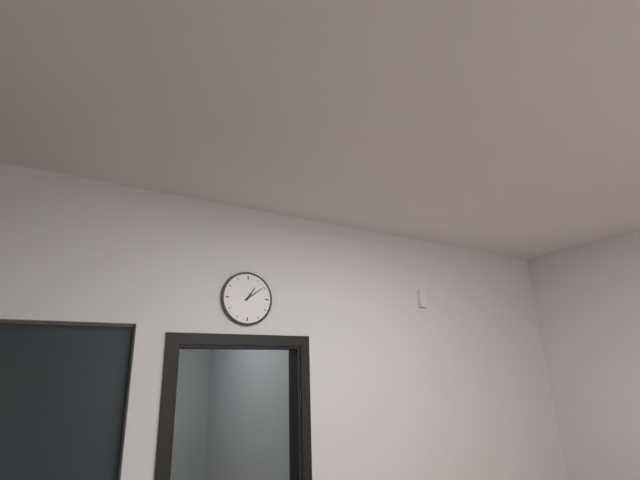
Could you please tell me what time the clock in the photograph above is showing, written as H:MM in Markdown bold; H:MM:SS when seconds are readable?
**1:09**
